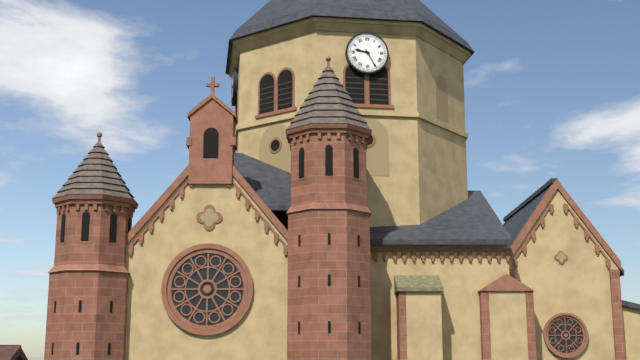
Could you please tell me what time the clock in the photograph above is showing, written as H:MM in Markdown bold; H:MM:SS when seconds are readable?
**9:25**
